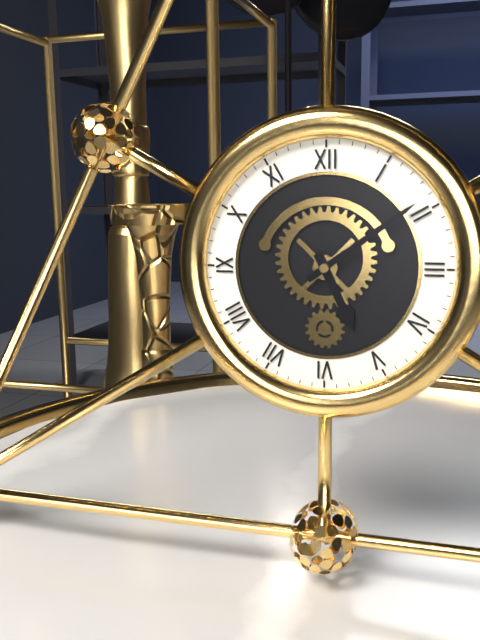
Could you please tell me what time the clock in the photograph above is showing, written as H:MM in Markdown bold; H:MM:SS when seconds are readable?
**5:09**
